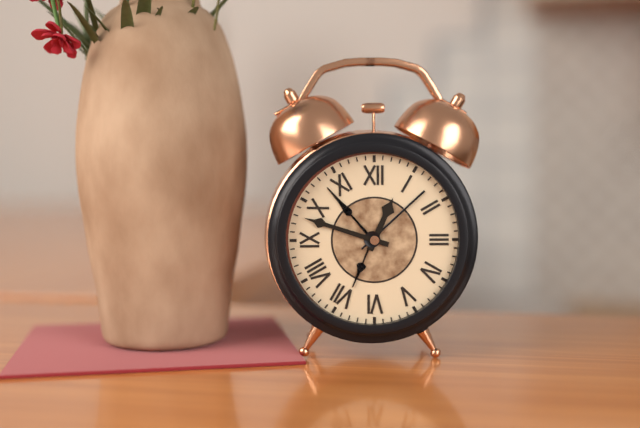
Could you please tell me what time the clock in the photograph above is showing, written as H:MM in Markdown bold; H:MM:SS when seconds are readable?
**12:48**
